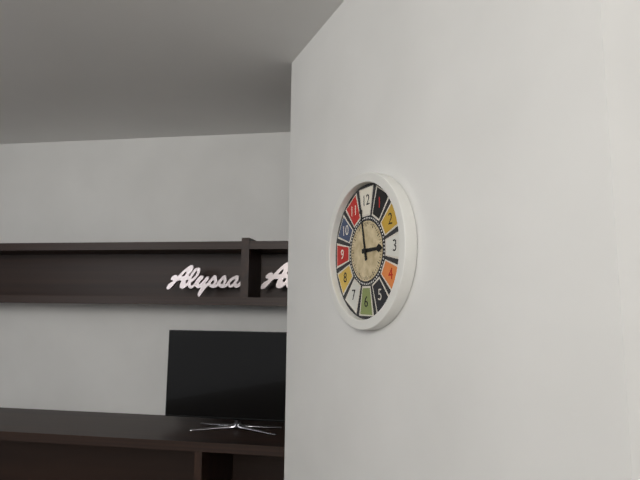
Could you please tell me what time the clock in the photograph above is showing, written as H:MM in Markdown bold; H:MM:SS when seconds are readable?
**2:58**
